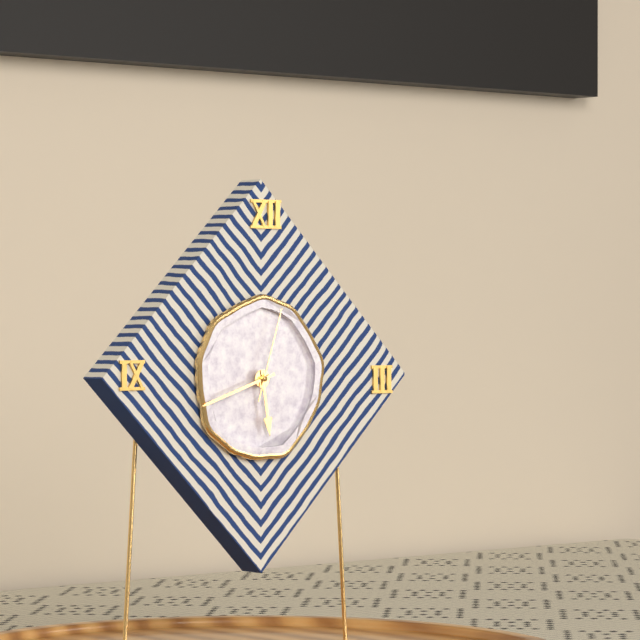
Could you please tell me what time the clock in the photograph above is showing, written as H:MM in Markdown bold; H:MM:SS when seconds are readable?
**5:42:03**
